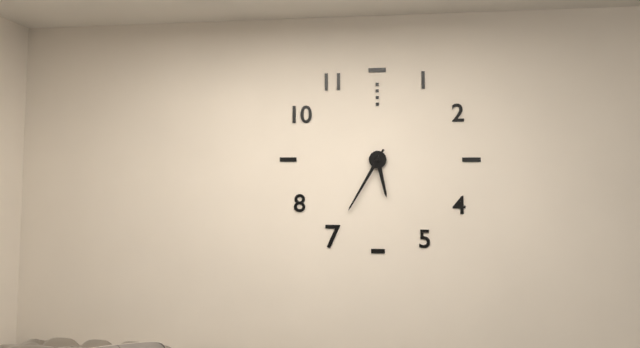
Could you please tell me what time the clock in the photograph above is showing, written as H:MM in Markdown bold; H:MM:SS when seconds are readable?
**5:35**
